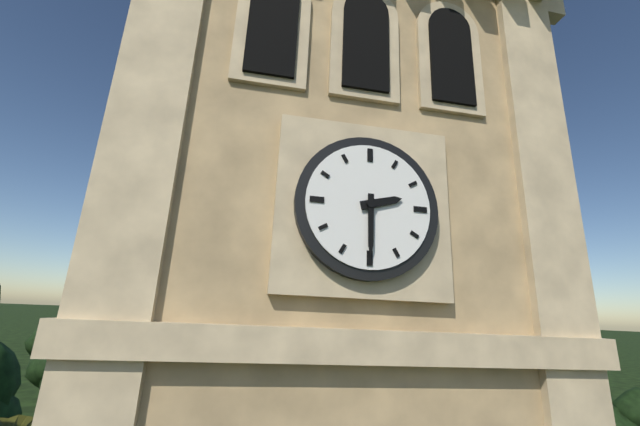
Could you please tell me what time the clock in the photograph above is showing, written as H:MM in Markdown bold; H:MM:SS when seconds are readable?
**2:30**
